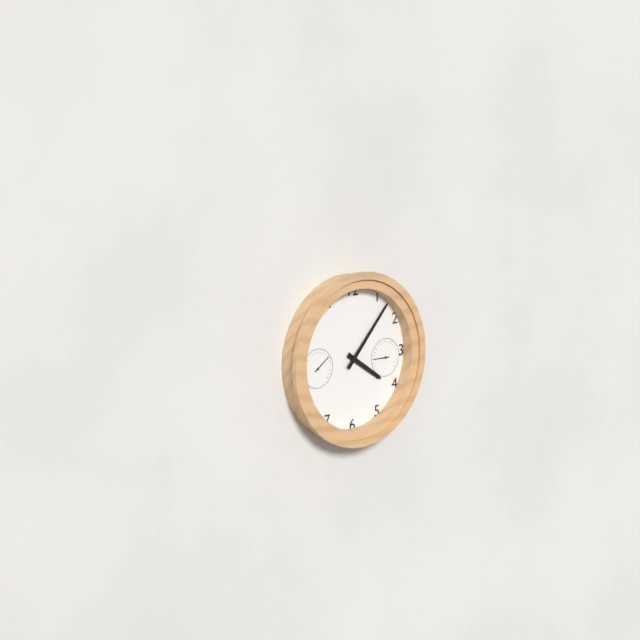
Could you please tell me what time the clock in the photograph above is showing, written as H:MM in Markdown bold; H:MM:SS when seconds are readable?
**4:07**
